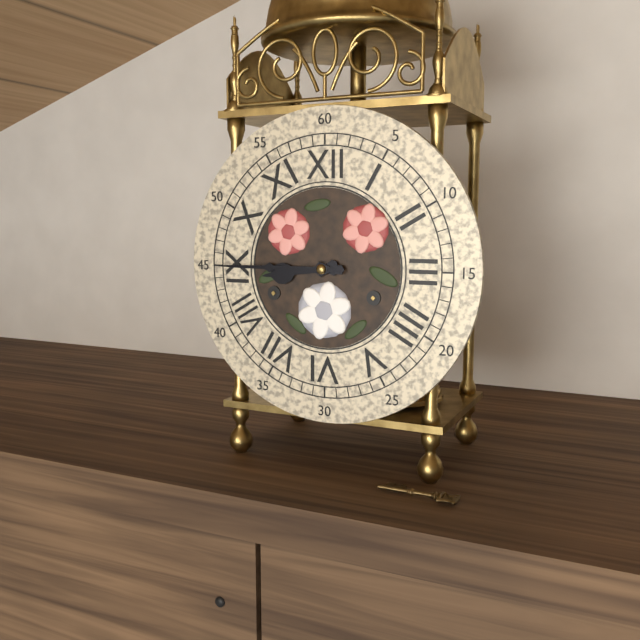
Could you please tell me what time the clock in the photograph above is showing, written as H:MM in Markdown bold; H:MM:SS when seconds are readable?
**8:45**
